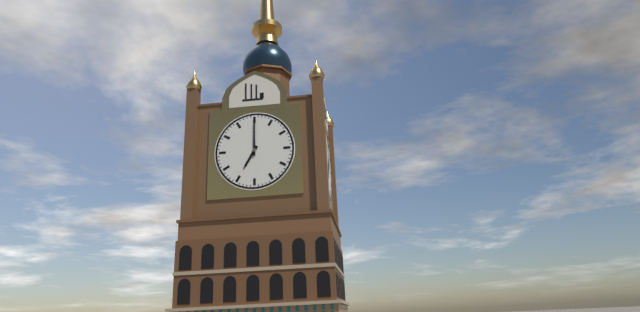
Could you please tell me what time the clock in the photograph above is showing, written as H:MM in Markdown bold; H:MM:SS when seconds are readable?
**7:00**
